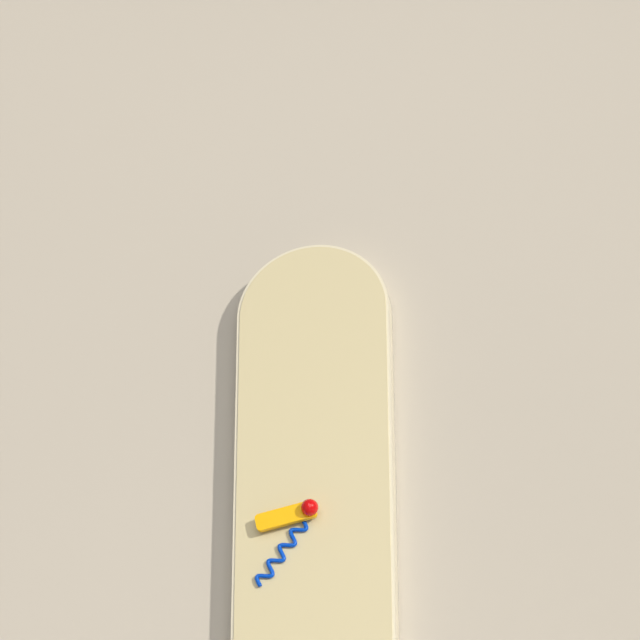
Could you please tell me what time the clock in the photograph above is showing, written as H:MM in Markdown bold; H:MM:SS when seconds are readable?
**8:36**
